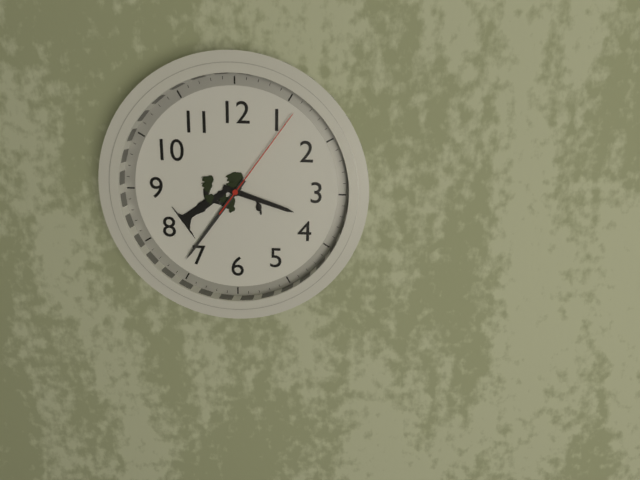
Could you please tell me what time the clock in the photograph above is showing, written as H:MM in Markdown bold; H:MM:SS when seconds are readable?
**3:36:06**
